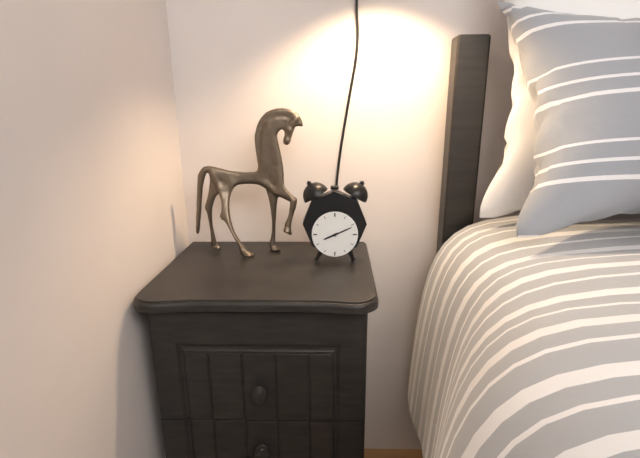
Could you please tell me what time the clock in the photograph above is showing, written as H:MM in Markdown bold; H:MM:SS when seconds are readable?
**8:11**
